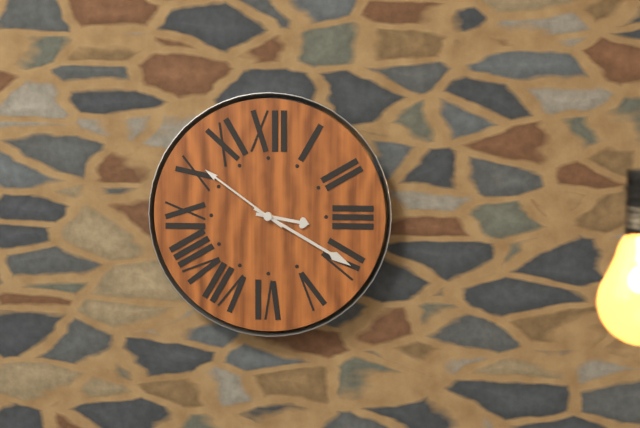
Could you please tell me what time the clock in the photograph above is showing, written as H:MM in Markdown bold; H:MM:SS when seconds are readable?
**3:20:51**
